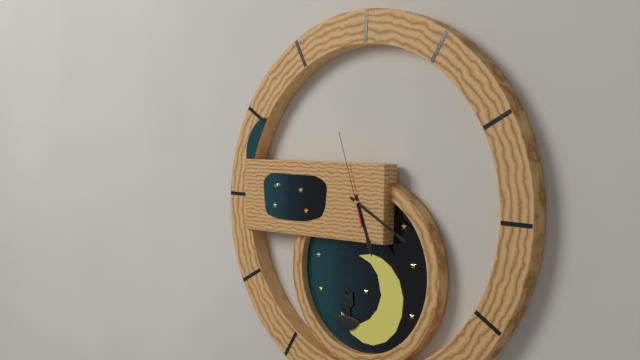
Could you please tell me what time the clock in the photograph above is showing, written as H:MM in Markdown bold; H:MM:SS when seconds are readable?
**5:20:57**
